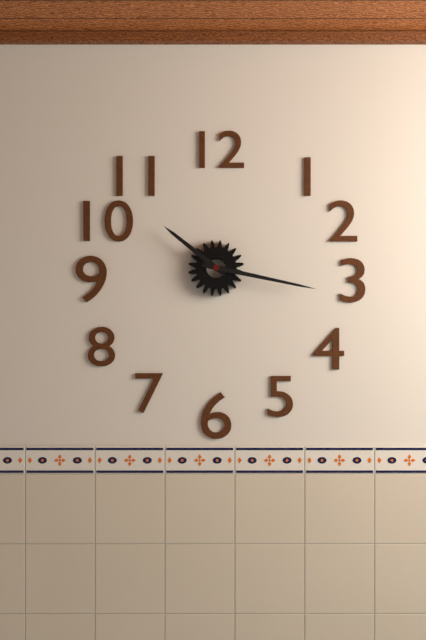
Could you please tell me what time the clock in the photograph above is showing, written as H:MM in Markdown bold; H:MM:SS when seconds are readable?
**10:17**
